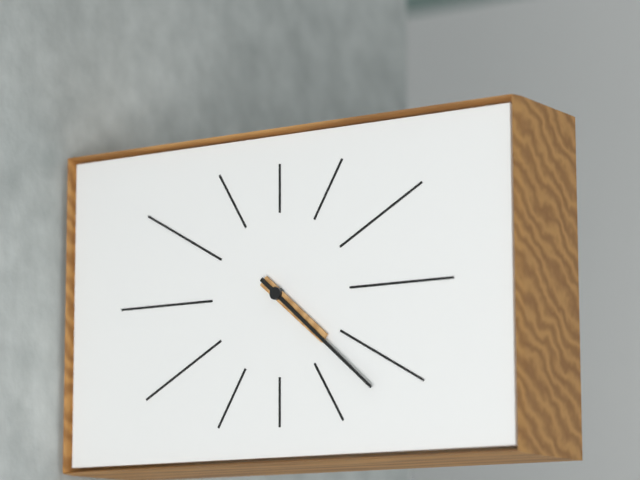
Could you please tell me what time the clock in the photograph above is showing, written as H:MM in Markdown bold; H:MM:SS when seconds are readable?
**4:22**
